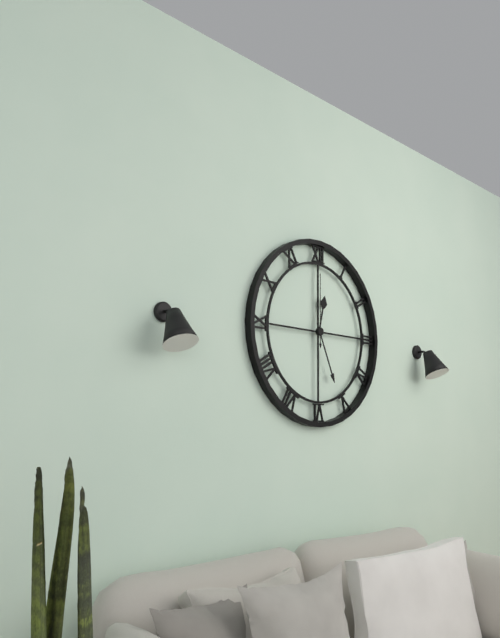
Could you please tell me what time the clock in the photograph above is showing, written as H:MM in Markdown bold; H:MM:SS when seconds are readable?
**12:26:00**
